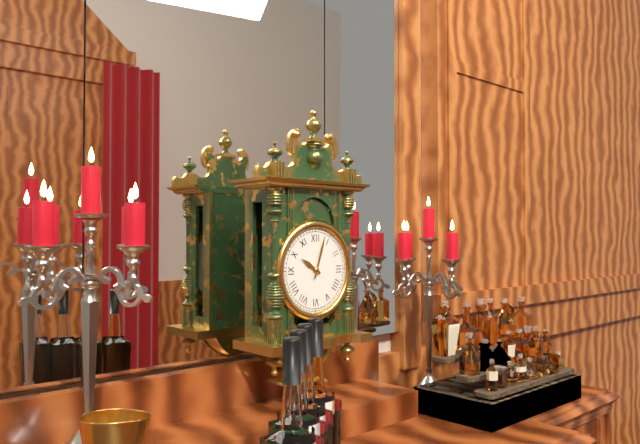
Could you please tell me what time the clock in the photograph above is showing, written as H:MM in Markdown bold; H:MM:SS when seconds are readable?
**10:03**
